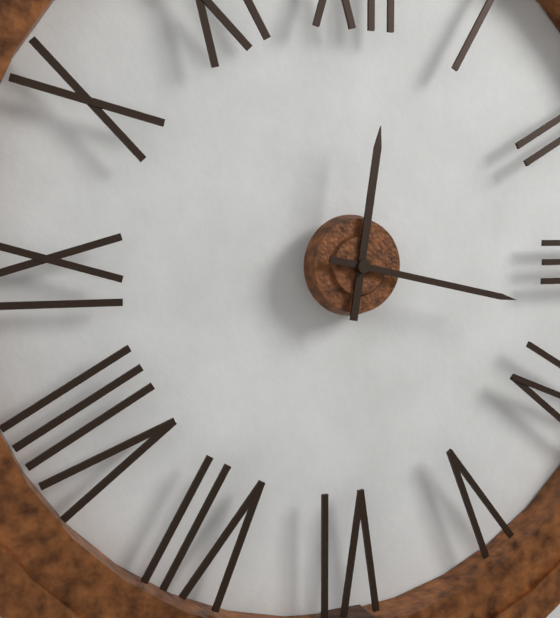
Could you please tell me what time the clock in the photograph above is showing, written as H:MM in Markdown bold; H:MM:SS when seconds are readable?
**12:17**
